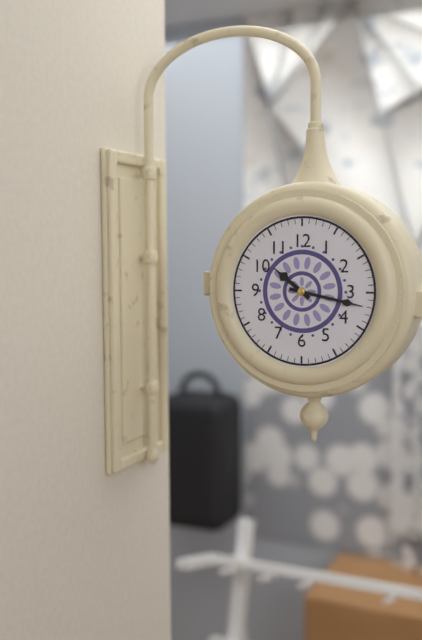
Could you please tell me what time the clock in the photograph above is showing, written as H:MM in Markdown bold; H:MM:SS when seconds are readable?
**10:17**
